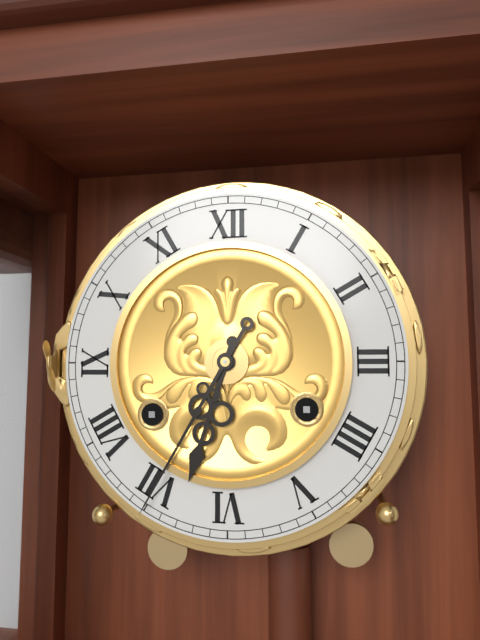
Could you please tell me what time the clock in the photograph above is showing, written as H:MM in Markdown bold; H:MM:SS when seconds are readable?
**6:35**
